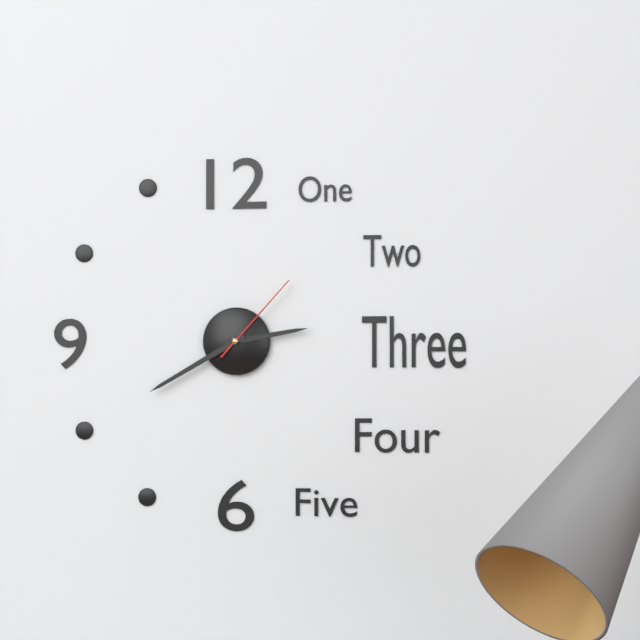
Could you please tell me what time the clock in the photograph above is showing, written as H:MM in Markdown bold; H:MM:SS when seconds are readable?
**2:40:07**
